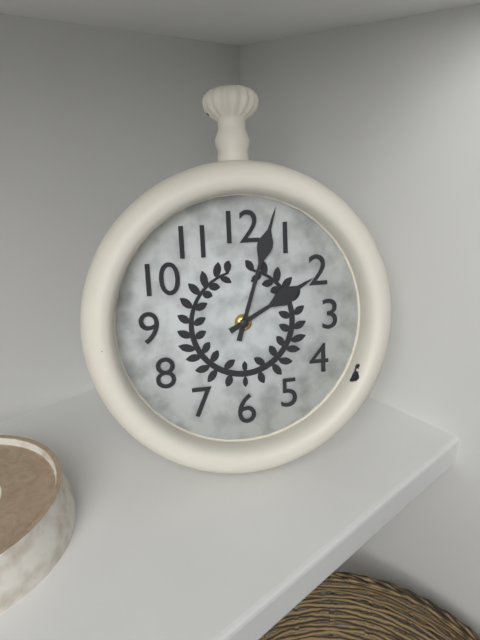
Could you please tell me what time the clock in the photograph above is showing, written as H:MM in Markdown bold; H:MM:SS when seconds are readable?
**2:03**
